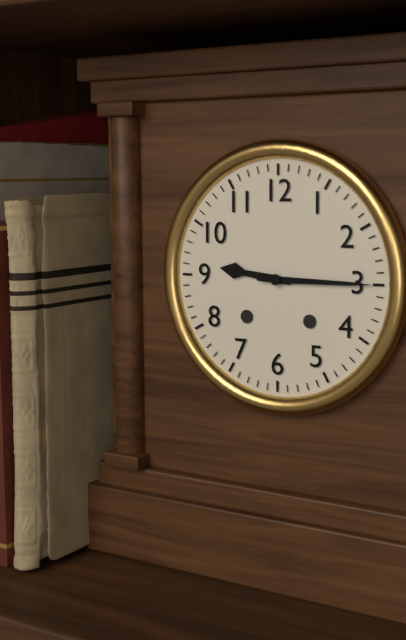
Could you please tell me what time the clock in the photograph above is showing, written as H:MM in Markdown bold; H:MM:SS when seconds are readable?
**9:15**
